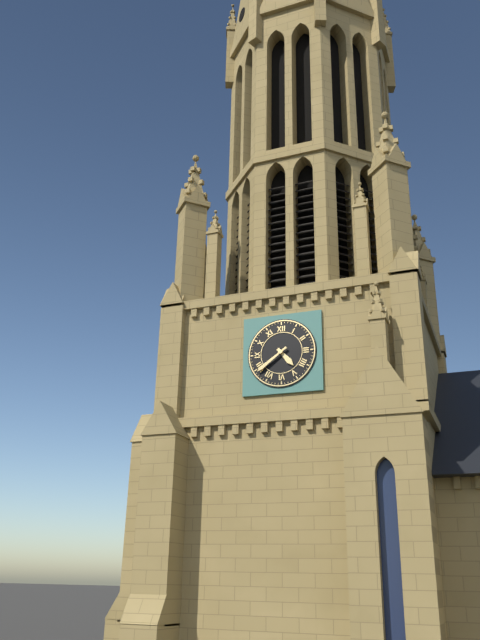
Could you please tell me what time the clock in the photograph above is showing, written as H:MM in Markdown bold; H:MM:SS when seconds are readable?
**4:39**
